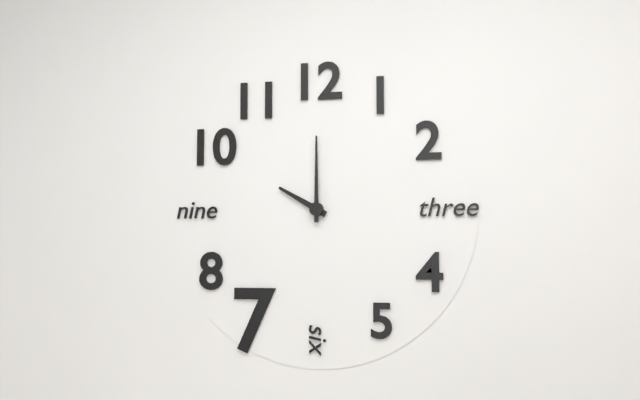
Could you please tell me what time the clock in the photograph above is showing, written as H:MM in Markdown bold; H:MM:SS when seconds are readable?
**10:00**
